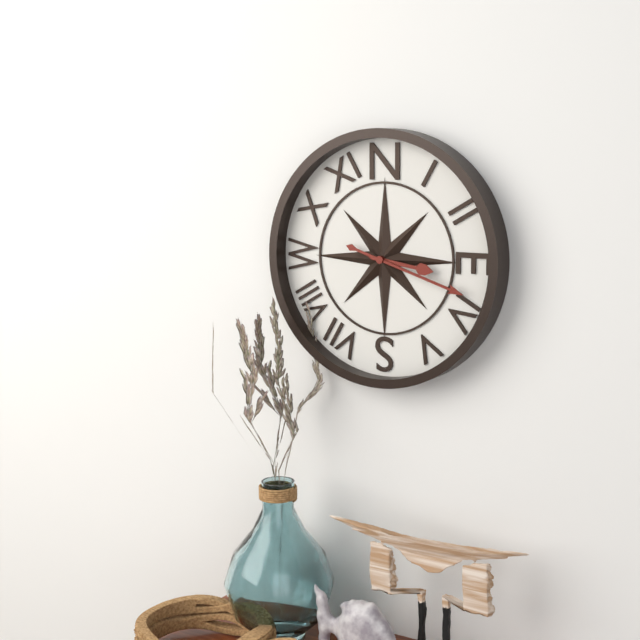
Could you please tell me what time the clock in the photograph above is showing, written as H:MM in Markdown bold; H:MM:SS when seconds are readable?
**3:18**
